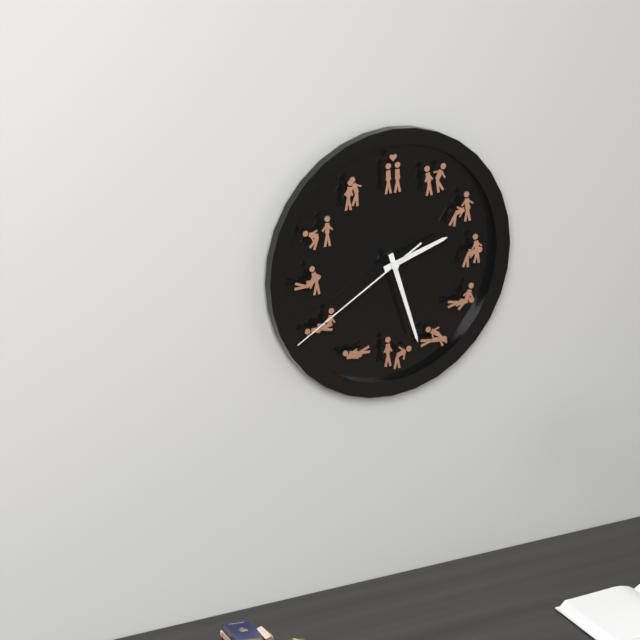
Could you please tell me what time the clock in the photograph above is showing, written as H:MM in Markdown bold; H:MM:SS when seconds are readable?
**2:27:40**
